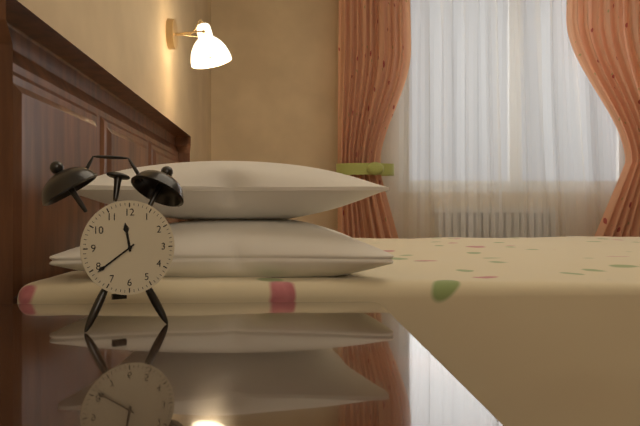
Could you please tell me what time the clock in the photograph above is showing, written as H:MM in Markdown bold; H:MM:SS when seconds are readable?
**11:39**
